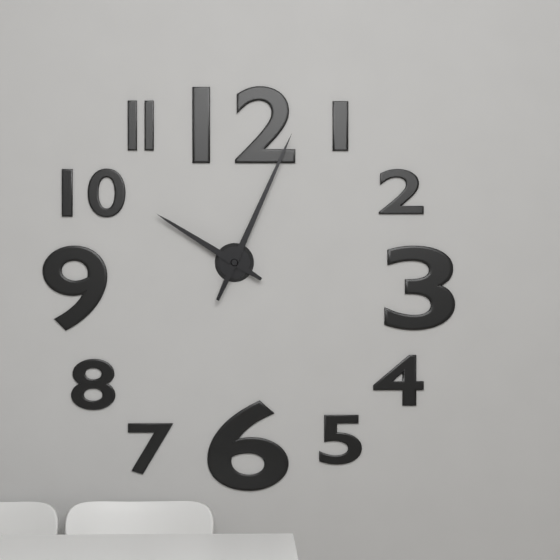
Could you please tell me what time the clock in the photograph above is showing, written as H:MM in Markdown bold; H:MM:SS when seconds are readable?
**10:04**
